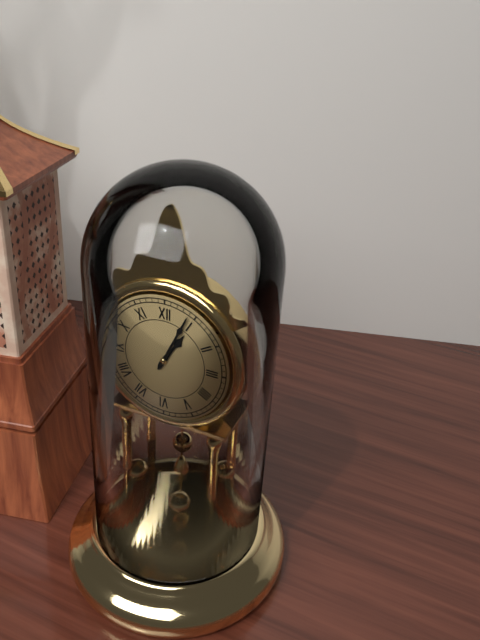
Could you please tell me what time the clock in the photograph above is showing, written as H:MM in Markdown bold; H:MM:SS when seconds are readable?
**1:04**
